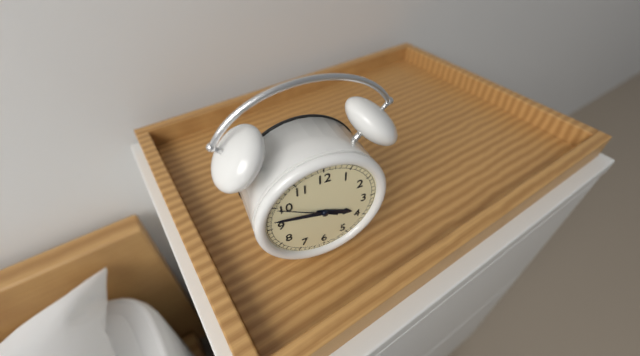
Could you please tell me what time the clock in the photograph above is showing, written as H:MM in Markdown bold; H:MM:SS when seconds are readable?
**3:47:50**
